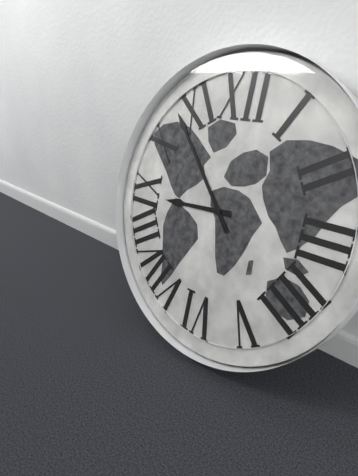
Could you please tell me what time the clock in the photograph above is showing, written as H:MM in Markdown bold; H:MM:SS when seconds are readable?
**8:53**
